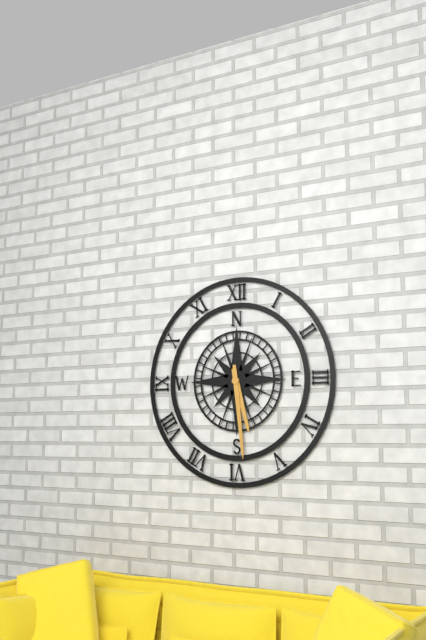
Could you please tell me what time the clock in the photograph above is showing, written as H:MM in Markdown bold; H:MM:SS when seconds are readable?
**5:29**
